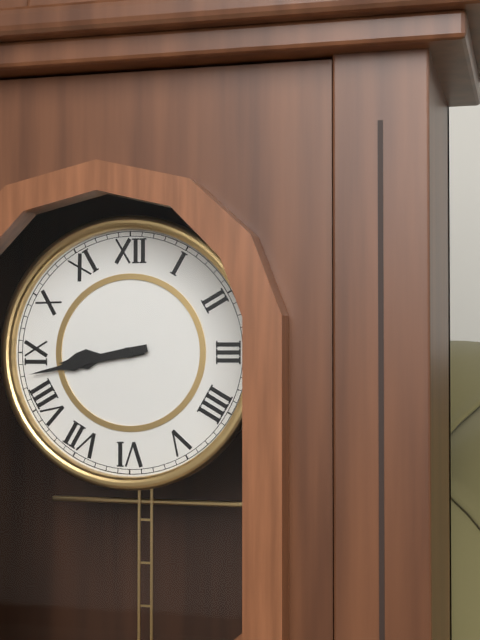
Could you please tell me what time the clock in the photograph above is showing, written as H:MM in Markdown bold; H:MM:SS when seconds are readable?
**8:43**
